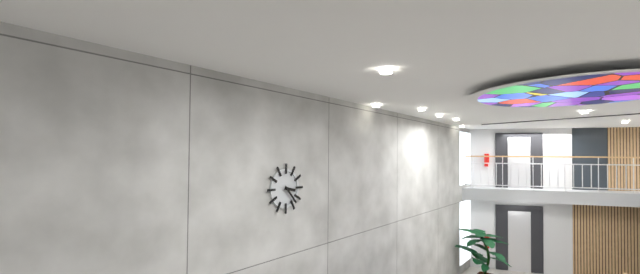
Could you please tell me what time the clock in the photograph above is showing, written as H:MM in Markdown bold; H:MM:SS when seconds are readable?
**3:23**
